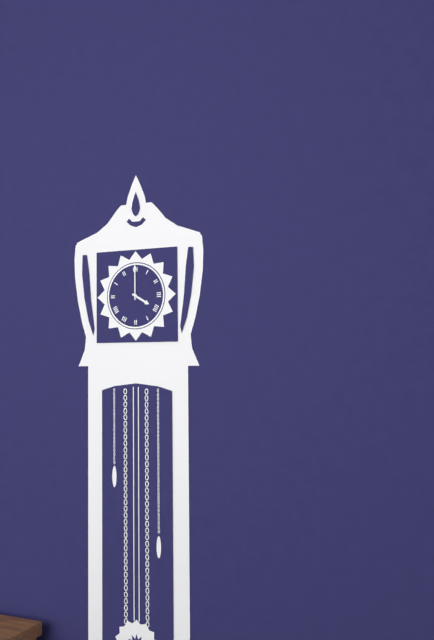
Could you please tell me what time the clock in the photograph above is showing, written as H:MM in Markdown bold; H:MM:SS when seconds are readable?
**4:00**
